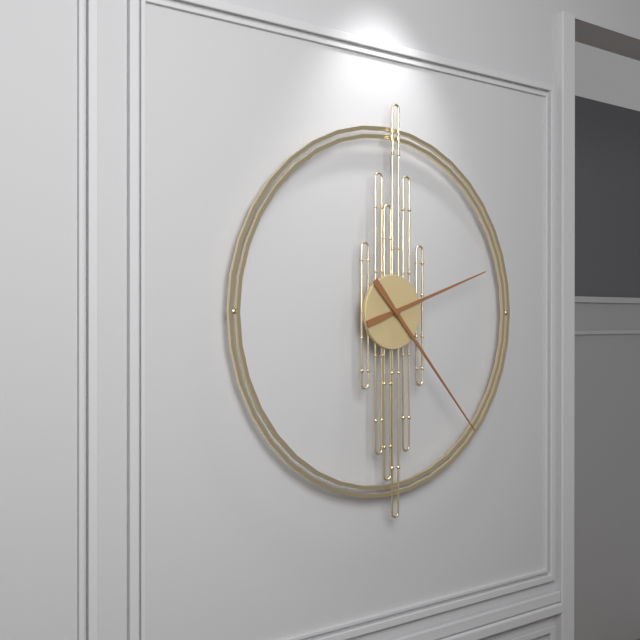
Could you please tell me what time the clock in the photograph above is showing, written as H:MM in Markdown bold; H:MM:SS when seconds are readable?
**2:23**
